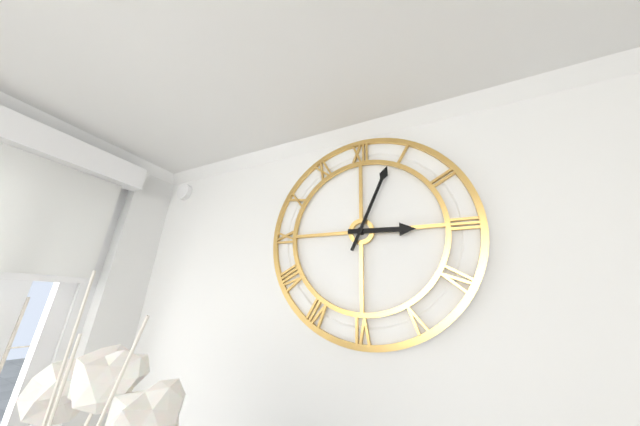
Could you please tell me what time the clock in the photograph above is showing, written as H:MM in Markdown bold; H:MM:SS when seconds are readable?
**3:04**
